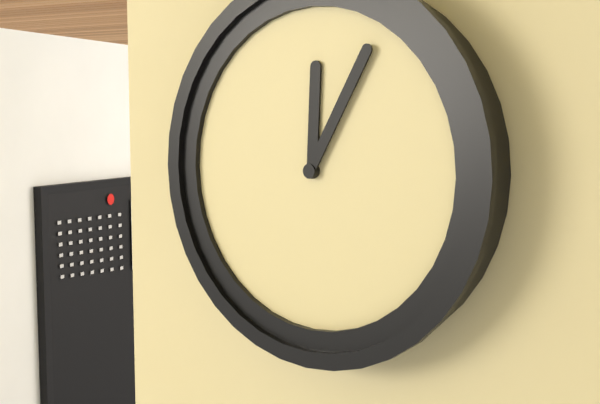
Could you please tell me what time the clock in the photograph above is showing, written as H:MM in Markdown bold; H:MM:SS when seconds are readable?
**12:05**
